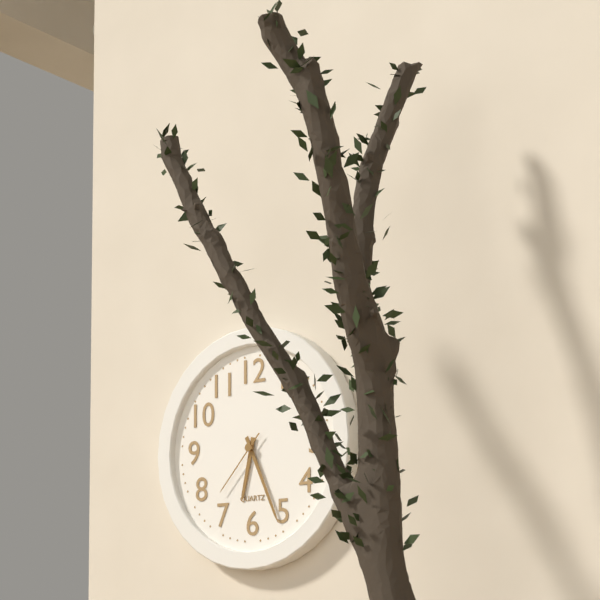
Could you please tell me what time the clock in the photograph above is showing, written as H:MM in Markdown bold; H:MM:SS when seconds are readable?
**6:26:37**
